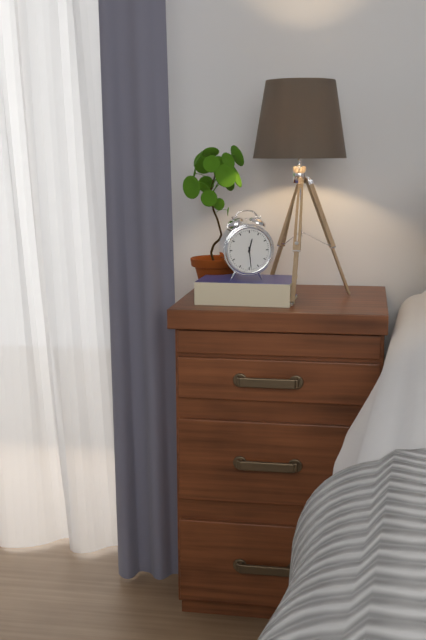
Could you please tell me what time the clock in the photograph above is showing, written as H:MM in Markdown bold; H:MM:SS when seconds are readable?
**12:29**
